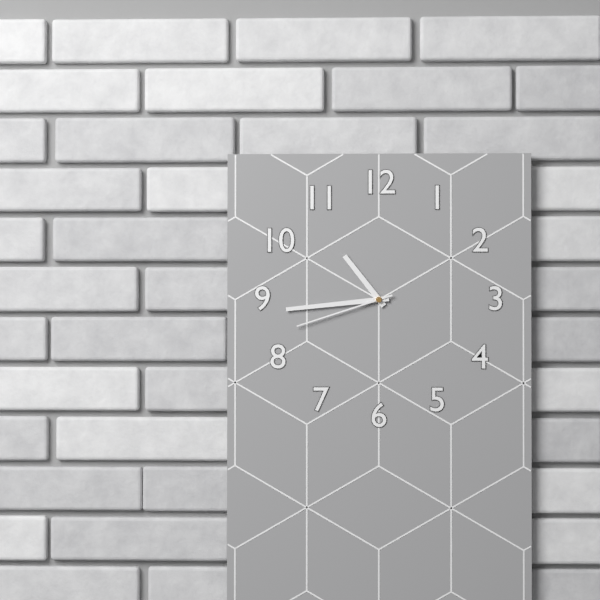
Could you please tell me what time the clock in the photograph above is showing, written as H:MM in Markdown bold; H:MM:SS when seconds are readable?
**10:44:42**
